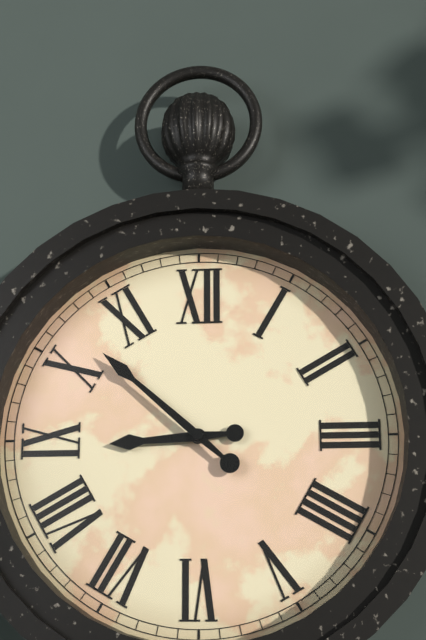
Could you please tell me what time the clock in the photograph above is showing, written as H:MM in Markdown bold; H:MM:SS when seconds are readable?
**8:52**
